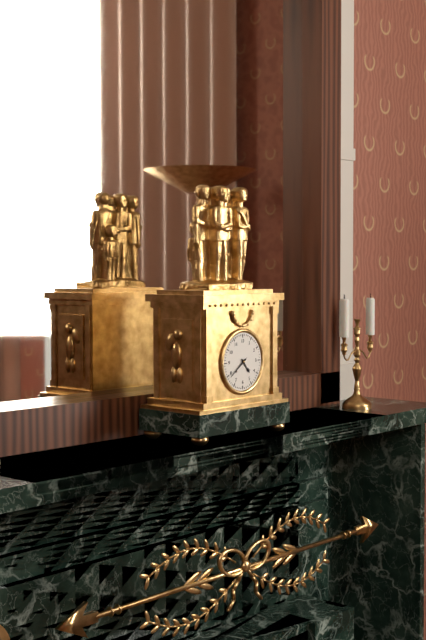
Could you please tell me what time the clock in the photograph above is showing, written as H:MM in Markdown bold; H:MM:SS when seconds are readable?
**4:39**
